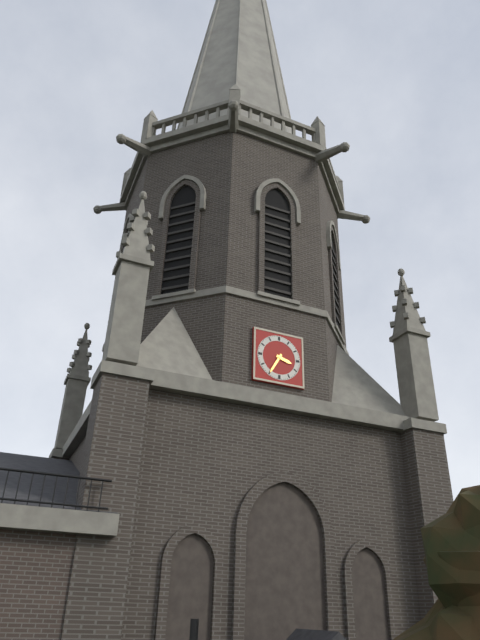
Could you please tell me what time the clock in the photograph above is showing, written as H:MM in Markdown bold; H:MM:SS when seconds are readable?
**3:35**
